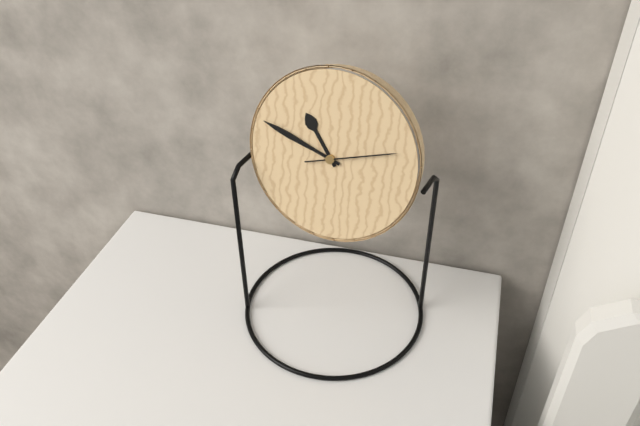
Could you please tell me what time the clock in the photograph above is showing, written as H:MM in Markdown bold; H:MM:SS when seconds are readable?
**10:48:12**
